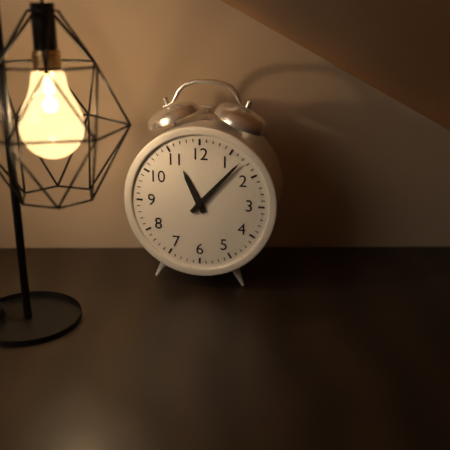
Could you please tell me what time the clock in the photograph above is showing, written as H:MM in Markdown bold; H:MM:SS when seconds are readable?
**11:07**
